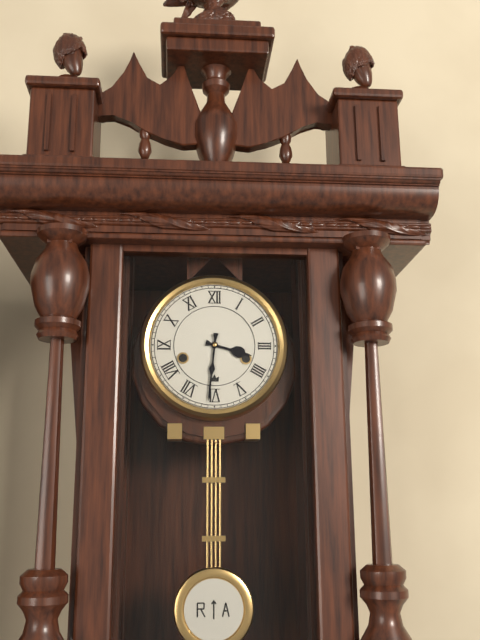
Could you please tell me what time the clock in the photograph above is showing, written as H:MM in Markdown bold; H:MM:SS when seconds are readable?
**3:31**
